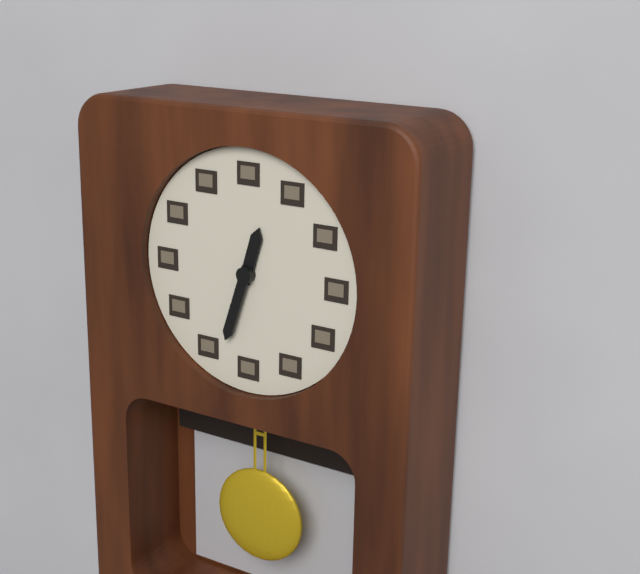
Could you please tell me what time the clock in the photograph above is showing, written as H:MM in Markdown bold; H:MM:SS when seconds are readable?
**12:33**
